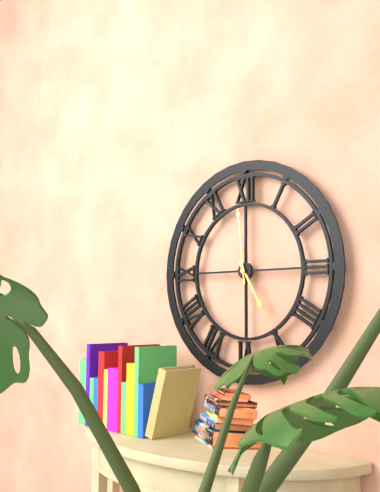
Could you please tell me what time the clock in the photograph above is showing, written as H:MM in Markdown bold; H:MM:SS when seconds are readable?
**4:59**
